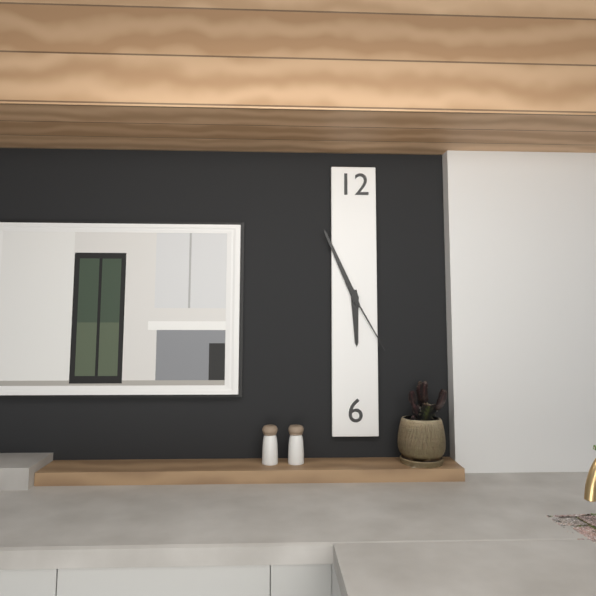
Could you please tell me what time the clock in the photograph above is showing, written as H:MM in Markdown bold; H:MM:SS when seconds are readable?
**5:56:25**
